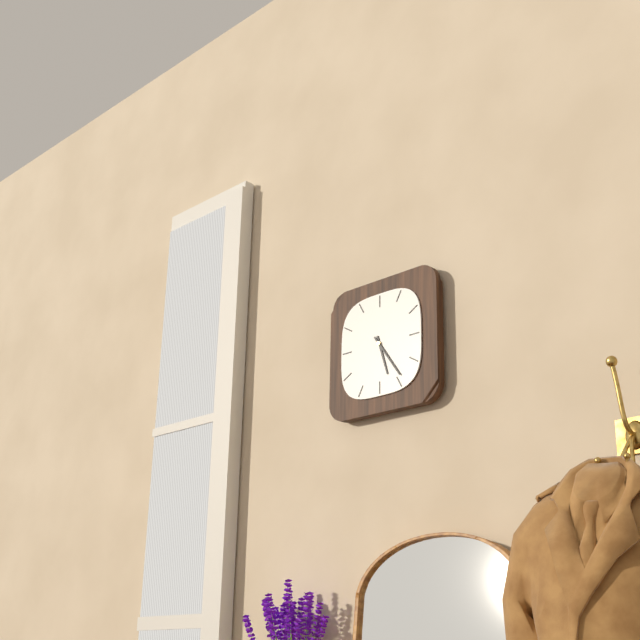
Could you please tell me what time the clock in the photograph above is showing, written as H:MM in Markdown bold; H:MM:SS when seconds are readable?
**5:24**
